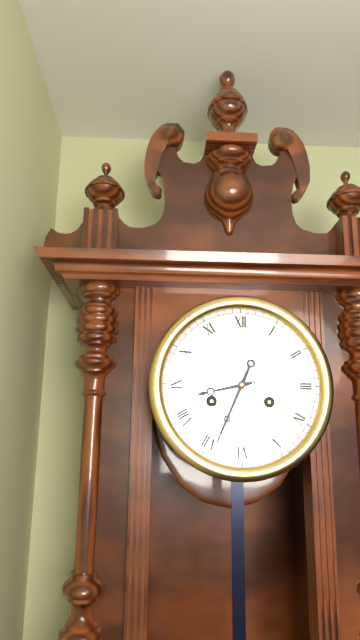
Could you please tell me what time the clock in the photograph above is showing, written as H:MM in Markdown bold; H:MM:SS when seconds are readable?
**8:34**
